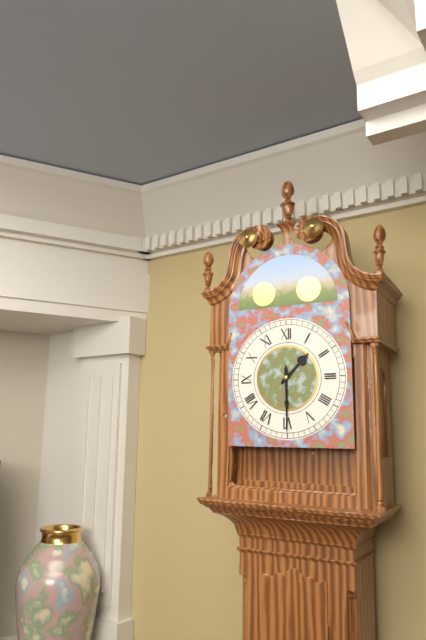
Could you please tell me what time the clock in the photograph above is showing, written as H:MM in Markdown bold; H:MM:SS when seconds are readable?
**1:30**
